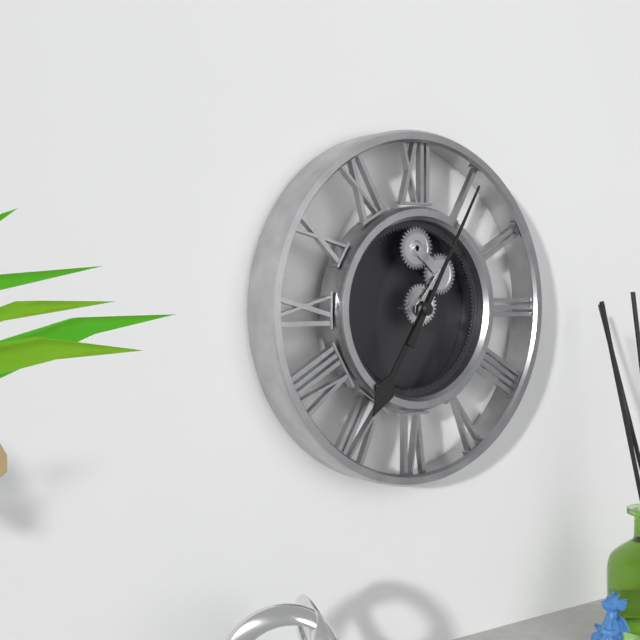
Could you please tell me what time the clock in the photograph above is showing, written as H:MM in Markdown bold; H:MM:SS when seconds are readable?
**7:05**
